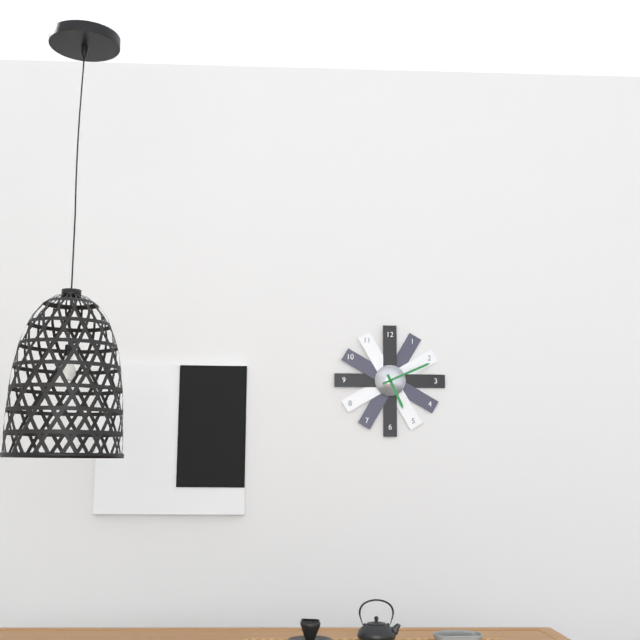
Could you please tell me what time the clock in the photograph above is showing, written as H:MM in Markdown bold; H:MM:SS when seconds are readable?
**5:11**
